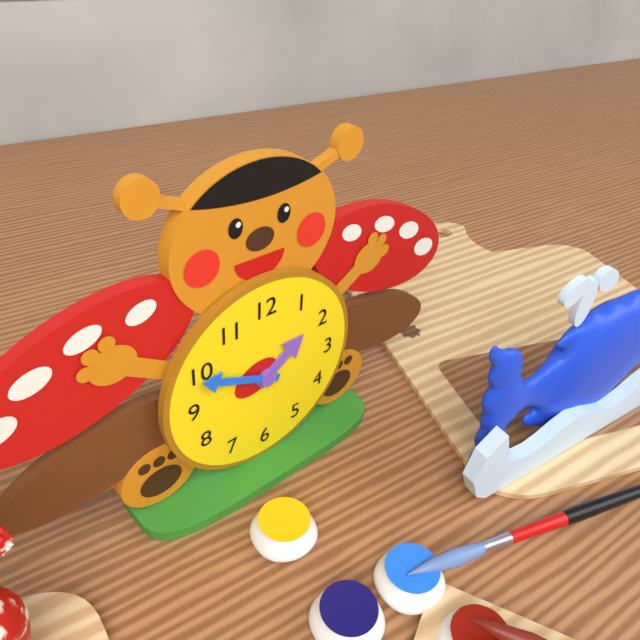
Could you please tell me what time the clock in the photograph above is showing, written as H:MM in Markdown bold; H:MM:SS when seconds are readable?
**1:49**
